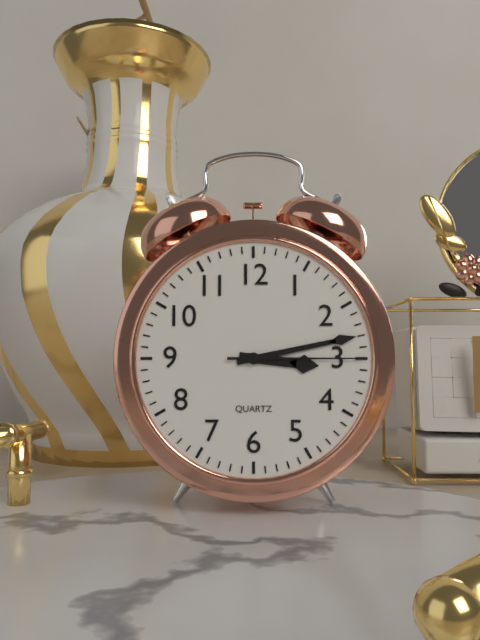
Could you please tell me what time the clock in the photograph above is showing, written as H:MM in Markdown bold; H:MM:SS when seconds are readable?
**3:13:15**
